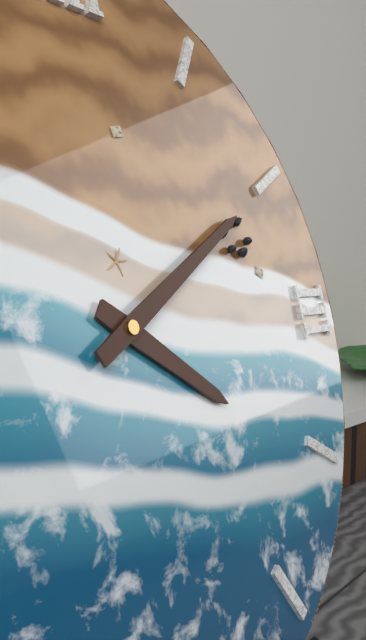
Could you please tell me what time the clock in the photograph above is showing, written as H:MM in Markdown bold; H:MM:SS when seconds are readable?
**4:10**
